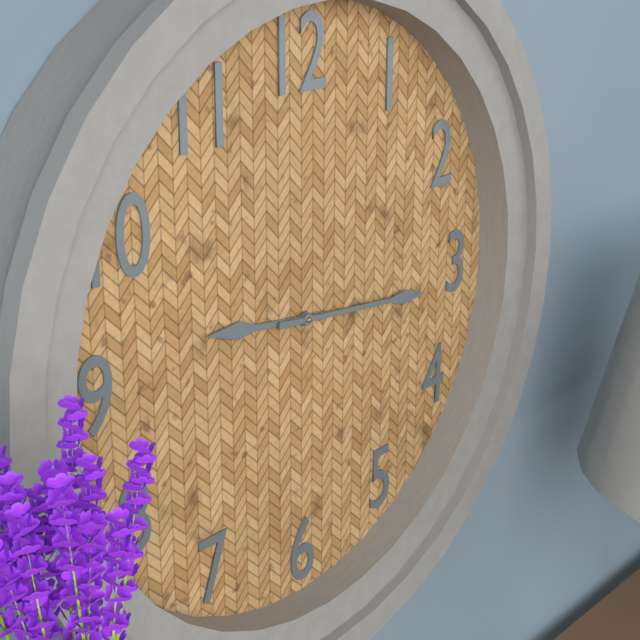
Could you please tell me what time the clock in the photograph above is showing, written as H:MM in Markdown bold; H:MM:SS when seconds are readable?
**9:16**
